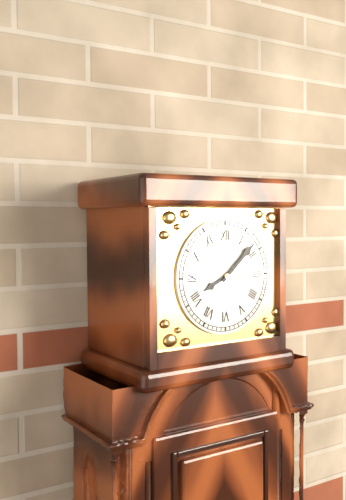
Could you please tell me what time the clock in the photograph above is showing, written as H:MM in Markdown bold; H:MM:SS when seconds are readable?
**8:08**
